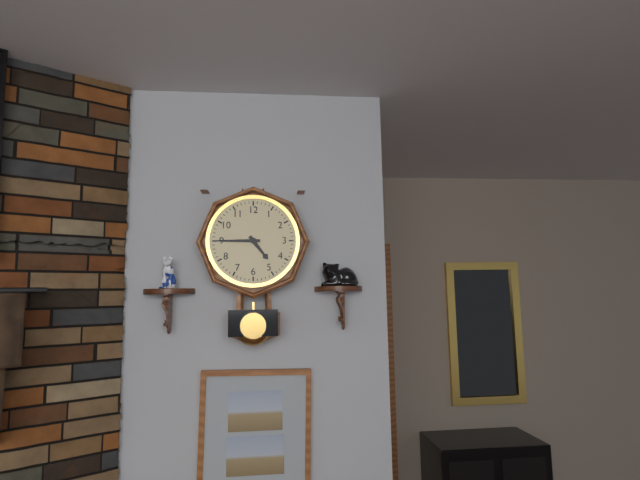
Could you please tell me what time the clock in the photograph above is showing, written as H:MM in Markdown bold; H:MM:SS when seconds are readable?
**4:45**
